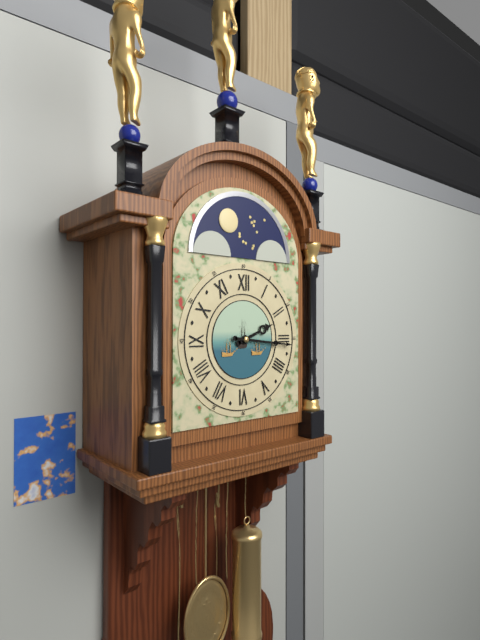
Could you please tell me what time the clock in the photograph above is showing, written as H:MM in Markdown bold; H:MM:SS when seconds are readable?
**2:16**
